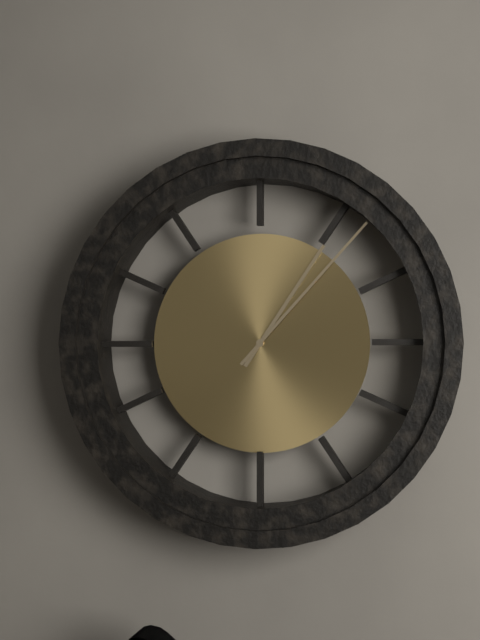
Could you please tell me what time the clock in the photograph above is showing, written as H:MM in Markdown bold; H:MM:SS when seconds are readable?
**1:07**
